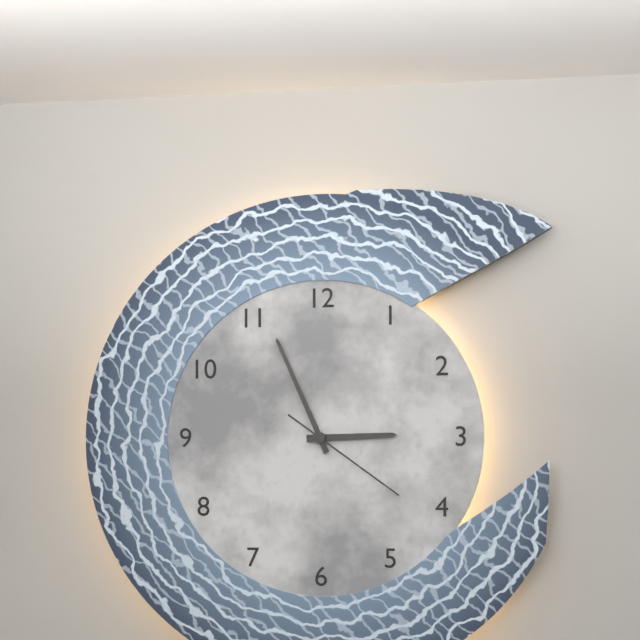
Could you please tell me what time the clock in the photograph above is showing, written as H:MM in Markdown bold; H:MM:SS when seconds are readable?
**2:56:21**
